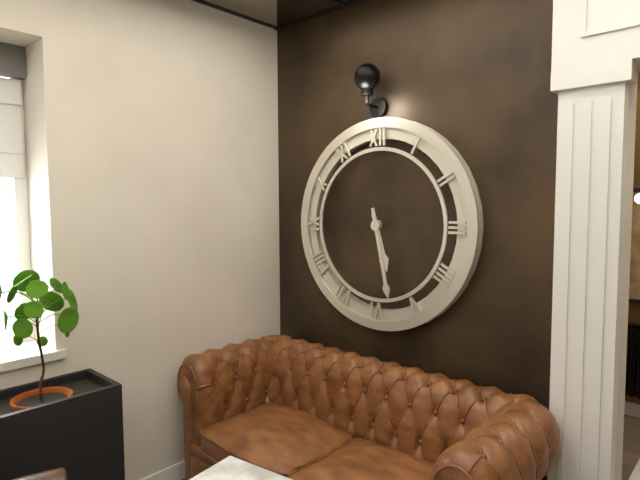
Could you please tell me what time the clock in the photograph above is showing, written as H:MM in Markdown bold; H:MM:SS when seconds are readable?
**5:28**
